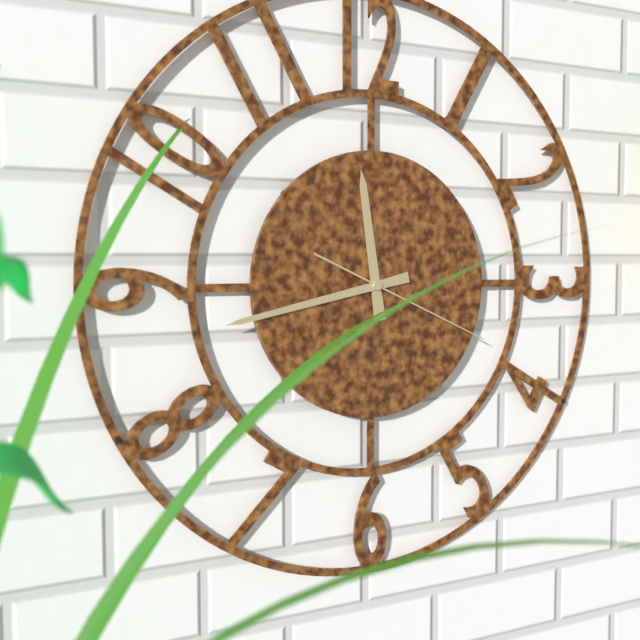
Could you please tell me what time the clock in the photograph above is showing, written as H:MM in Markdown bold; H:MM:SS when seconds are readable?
**11:43:19**
